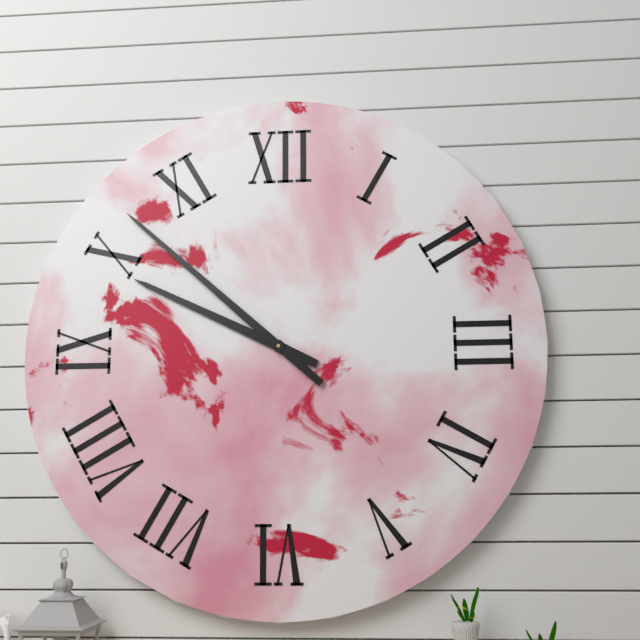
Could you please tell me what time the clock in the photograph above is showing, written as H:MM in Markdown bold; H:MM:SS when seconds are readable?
**9:52**
